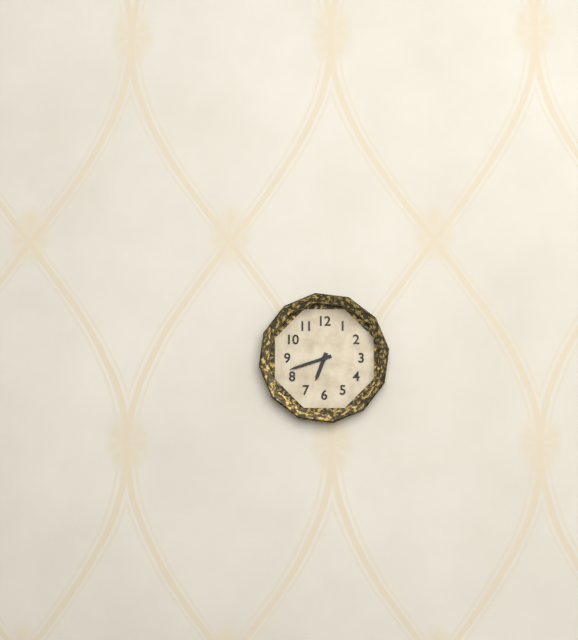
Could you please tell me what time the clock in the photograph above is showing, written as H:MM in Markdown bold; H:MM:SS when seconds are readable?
**6:42**
